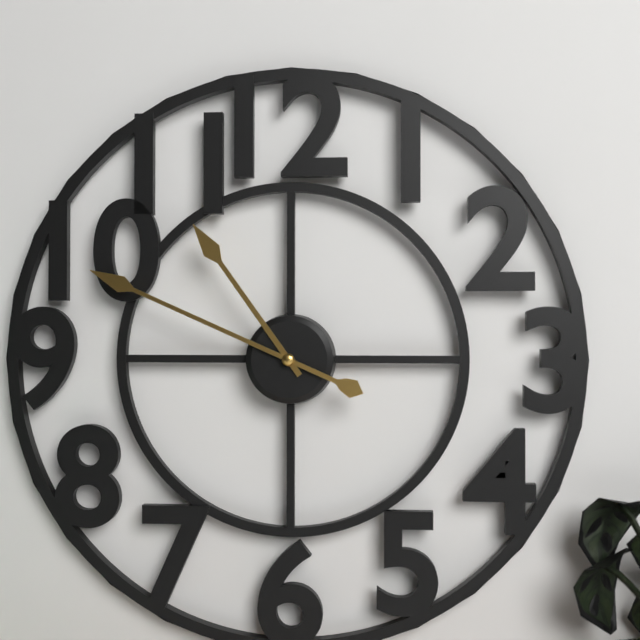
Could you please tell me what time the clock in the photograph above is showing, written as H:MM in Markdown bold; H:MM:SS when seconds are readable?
**10:49**
